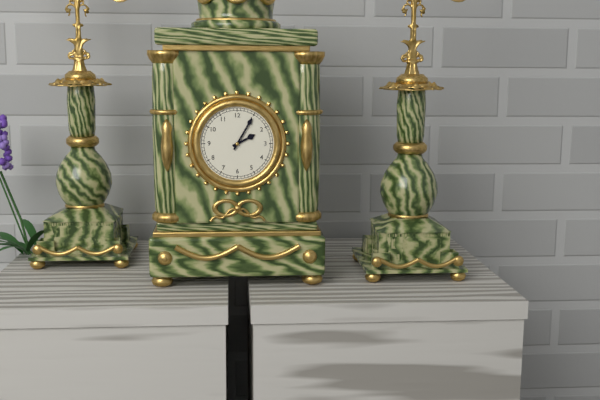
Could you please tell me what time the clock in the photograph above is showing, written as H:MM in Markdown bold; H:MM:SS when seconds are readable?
**2:05**
